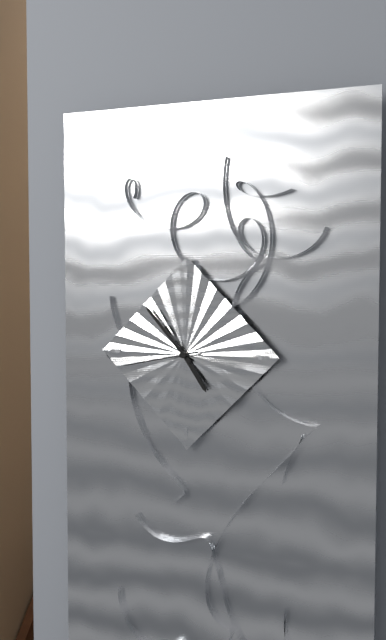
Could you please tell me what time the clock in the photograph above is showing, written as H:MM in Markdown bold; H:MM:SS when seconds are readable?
**4:53:43**
